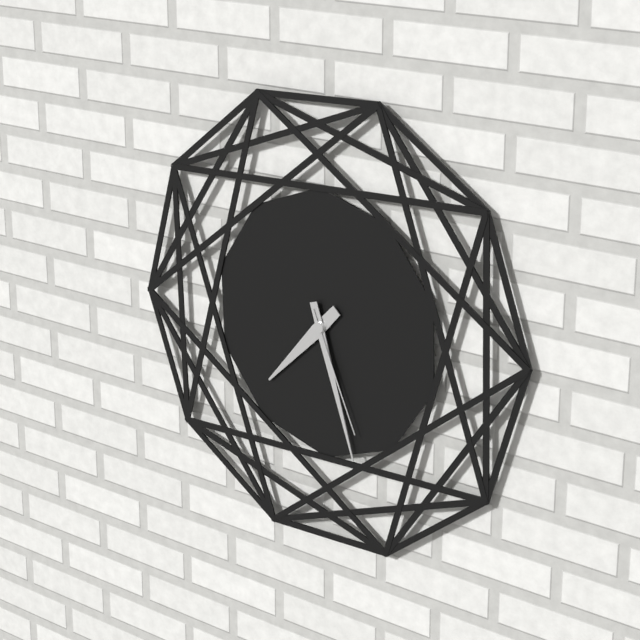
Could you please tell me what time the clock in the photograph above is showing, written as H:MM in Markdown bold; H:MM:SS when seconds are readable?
**7:27:26**
